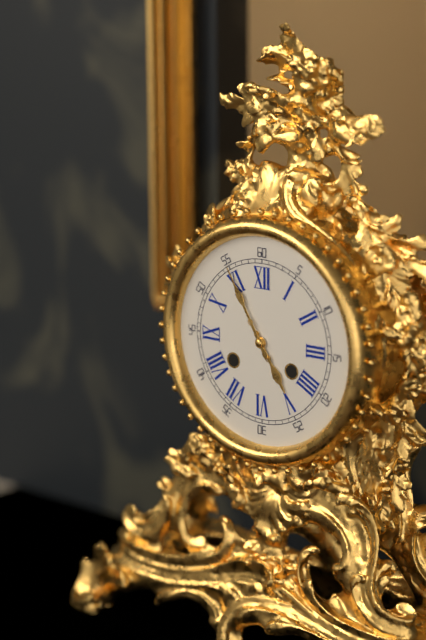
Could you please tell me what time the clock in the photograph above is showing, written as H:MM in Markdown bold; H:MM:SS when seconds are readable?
**4:55**
